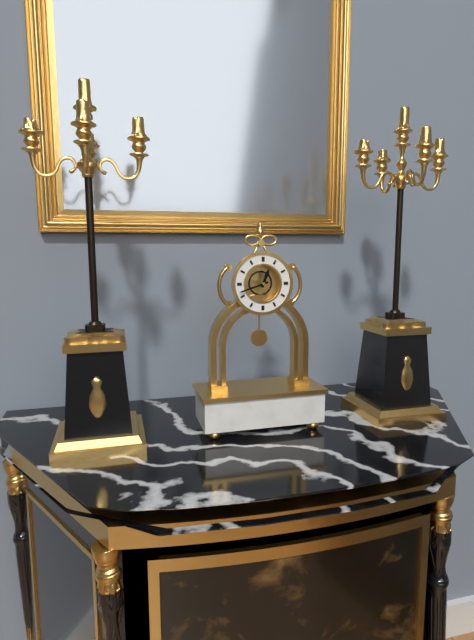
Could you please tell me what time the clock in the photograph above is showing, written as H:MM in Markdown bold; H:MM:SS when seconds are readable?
**12:42**
